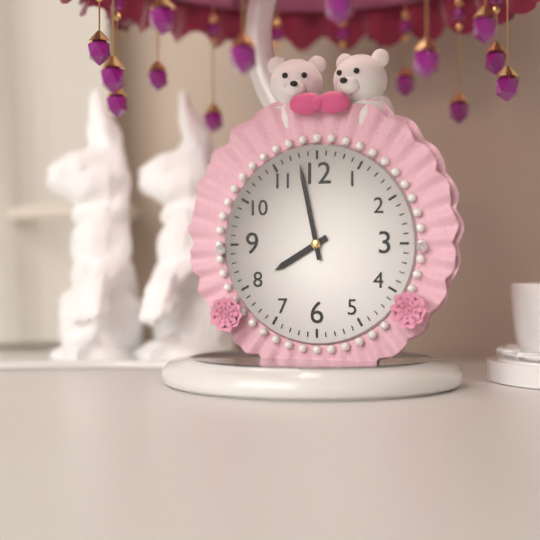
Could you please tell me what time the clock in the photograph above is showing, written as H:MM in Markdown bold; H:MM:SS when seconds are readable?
**7:58**
